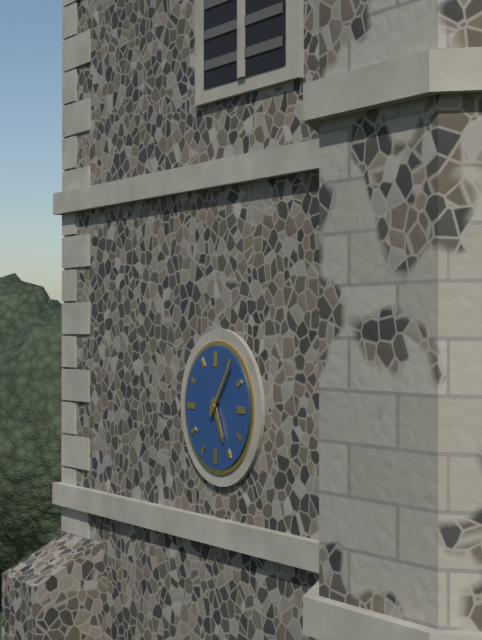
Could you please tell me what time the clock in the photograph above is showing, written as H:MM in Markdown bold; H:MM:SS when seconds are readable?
**5:06**
